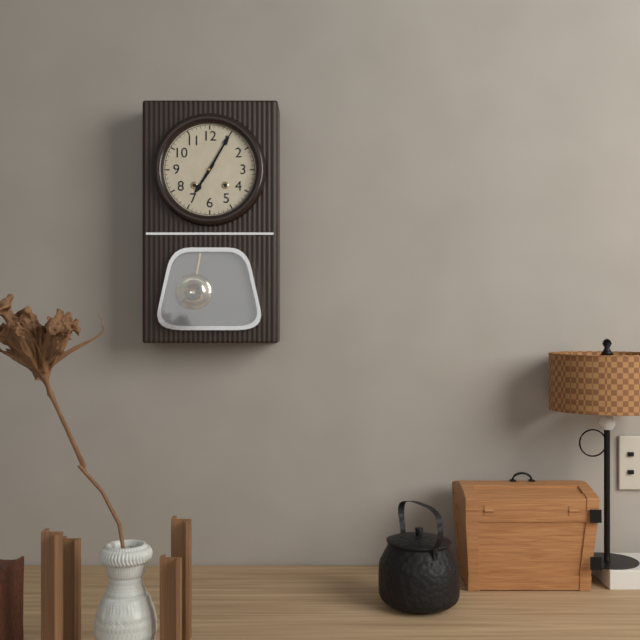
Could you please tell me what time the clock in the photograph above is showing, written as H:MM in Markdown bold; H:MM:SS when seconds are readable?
**7:05**
